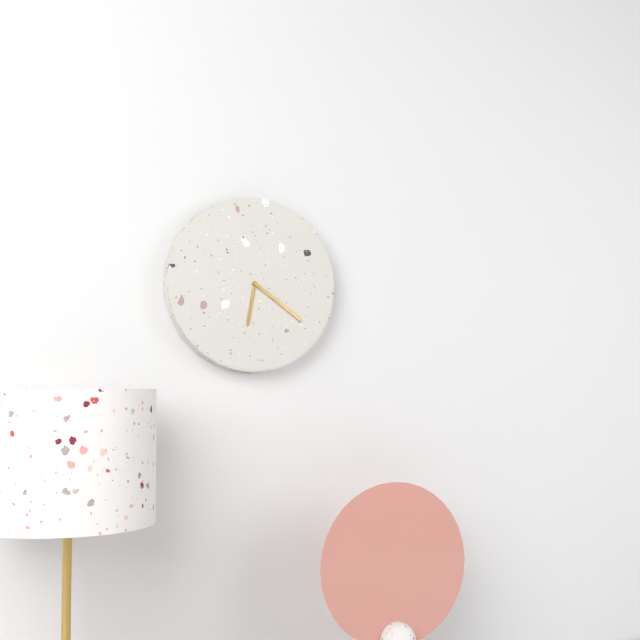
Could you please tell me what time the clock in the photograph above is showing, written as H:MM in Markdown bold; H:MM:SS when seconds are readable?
**6:21**
